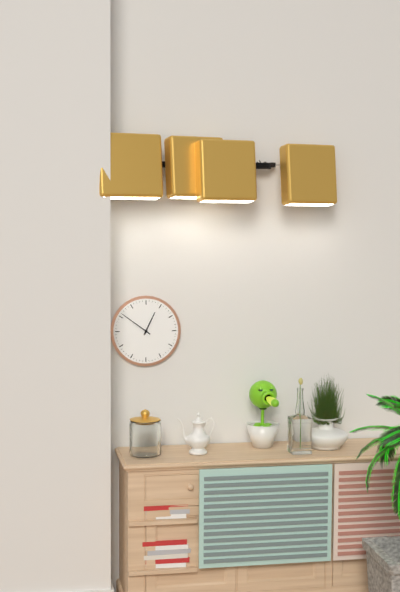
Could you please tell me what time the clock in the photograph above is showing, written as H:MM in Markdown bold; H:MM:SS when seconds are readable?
**12:51**
